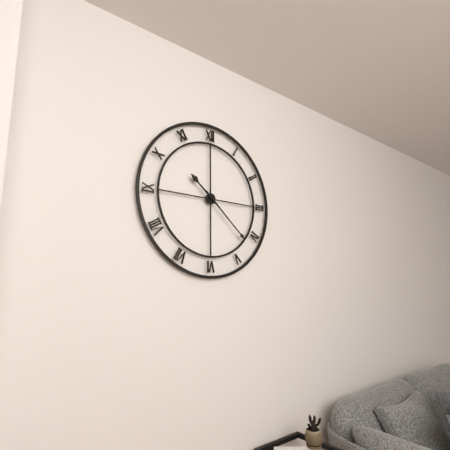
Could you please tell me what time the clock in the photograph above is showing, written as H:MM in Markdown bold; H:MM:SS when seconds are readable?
**10:22**
